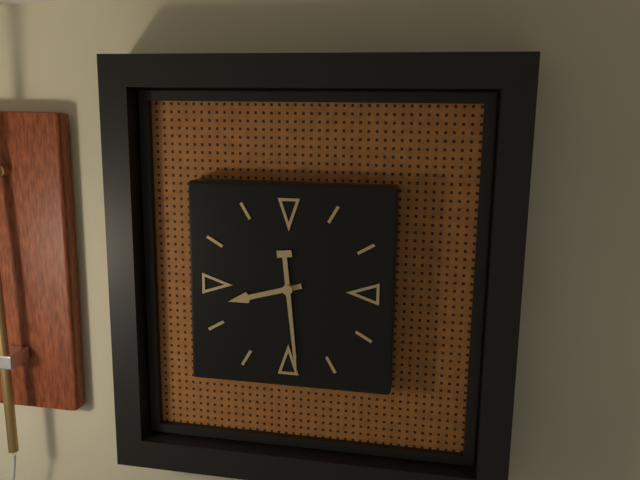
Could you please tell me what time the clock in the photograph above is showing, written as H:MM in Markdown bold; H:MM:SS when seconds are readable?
**8:29**
